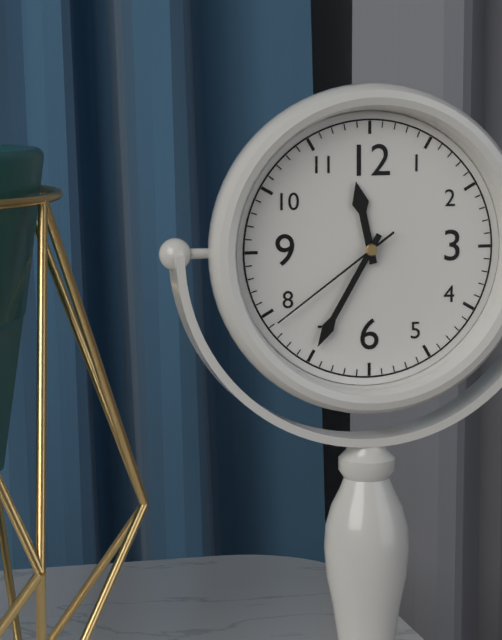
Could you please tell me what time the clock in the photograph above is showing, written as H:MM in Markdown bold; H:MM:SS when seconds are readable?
**11:35:39**
